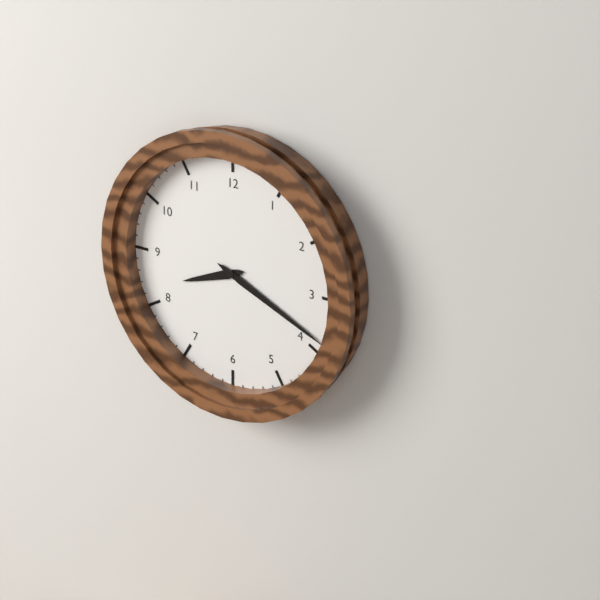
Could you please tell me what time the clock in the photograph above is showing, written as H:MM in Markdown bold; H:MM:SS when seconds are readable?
**8:19**
